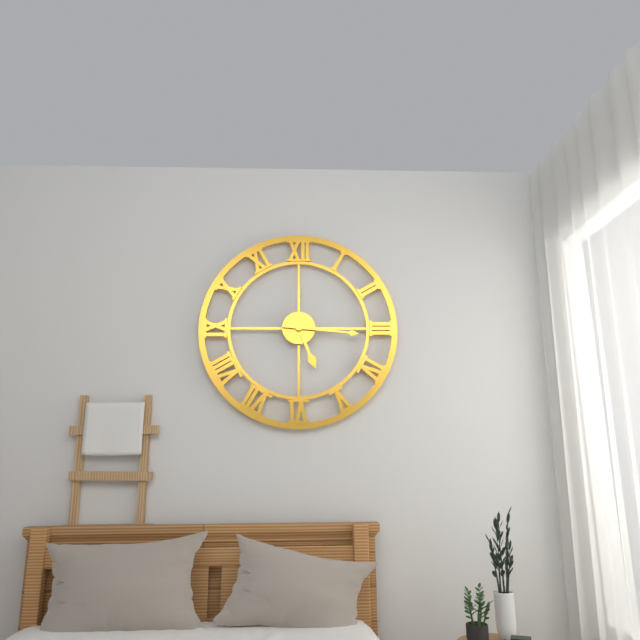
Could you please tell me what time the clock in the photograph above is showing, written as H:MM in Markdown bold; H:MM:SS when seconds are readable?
**5:16**
